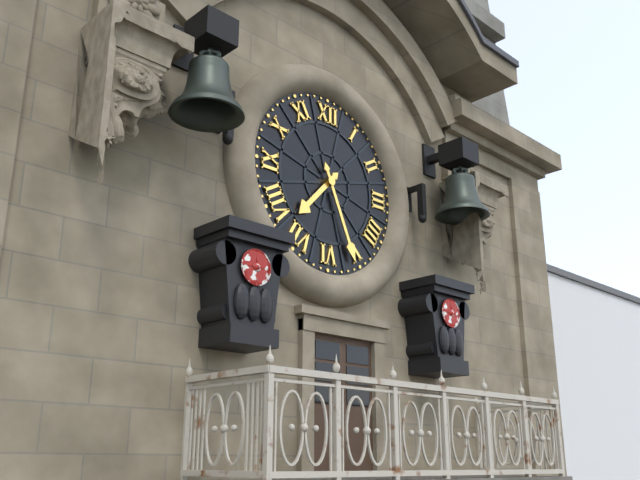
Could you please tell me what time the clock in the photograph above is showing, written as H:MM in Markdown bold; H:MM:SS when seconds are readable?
**7:26**
